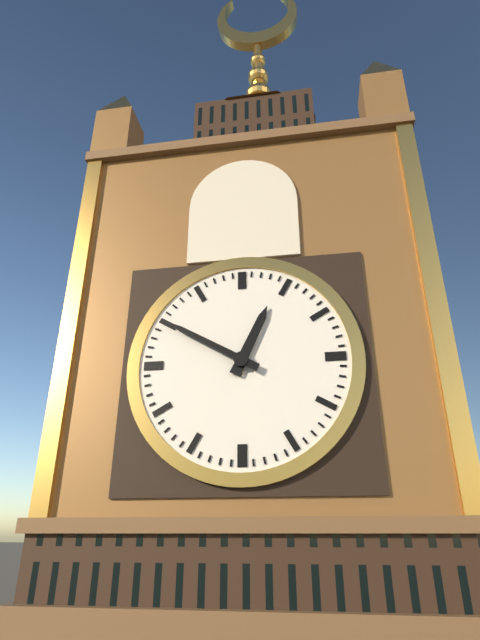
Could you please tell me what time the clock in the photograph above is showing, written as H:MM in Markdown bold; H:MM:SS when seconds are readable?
**12:50**
